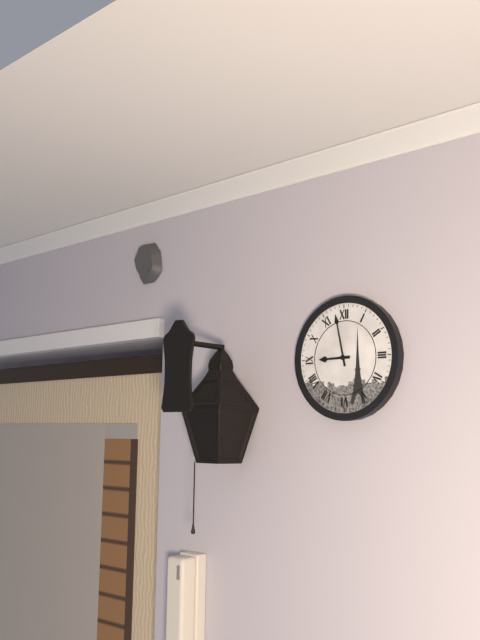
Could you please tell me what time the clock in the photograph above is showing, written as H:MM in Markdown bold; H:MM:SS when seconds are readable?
**8:58**
